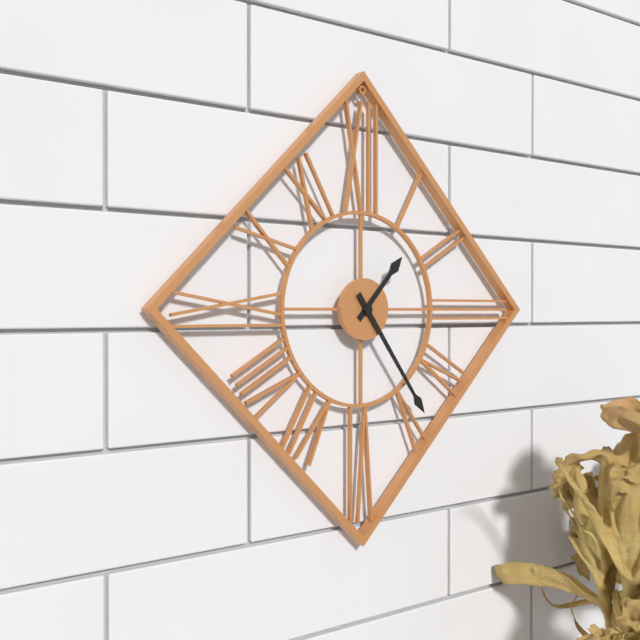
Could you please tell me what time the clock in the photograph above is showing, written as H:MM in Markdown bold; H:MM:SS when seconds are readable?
**1:24**
